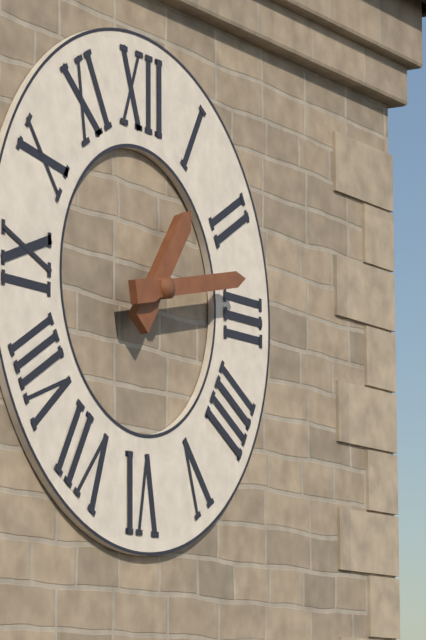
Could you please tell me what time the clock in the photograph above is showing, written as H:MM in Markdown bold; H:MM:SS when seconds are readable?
**1:13**
